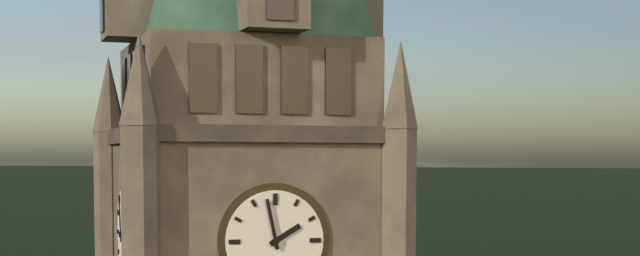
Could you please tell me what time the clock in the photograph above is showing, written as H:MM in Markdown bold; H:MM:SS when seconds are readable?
**1:58**
